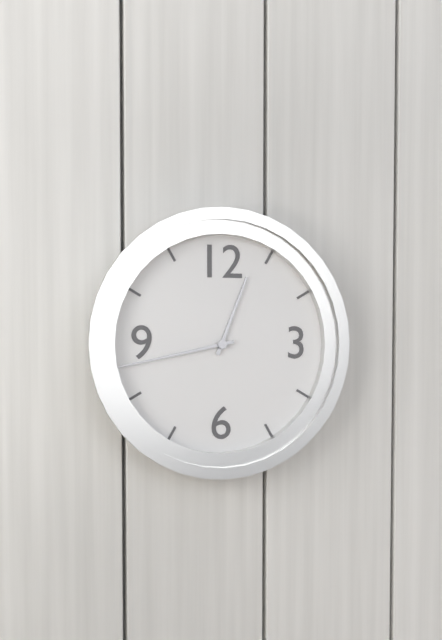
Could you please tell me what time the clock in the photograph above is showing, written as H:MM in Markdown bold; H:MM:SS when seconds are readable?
**12:43**
